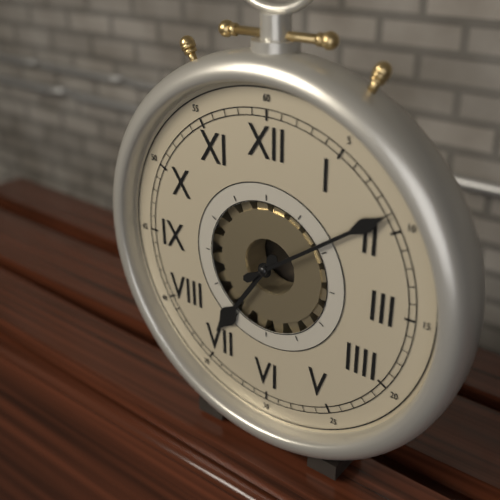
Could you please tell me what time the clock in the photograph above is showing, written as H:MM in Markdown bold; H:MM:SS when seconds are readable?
**7:09**
